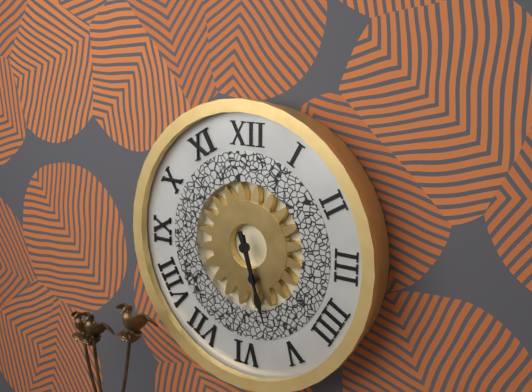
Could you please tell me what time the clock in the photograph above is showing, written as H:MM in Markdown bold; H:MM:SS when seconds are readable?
**5:27**
